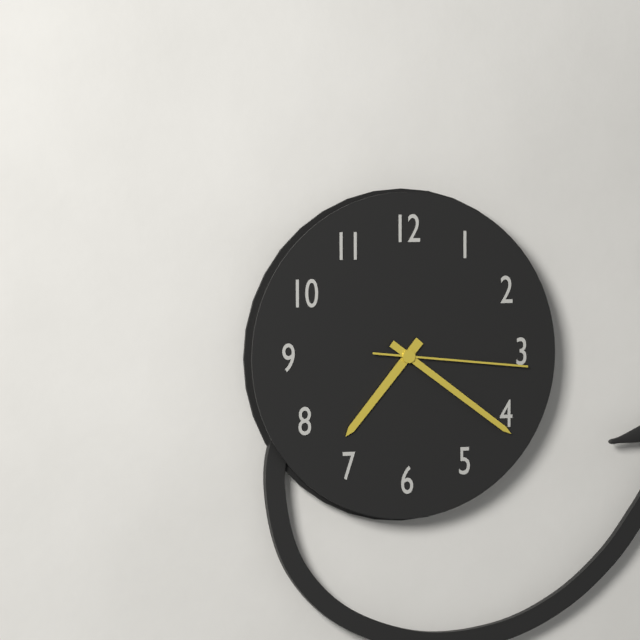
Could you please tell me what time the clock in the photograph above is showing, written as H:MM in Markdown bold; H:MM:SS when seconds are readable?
**7:21:16**
